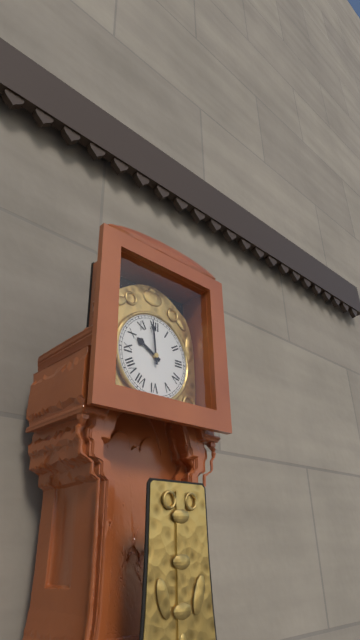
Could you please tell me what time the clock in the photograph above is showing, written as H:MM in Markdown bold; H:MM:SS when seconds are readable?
**9:59**
